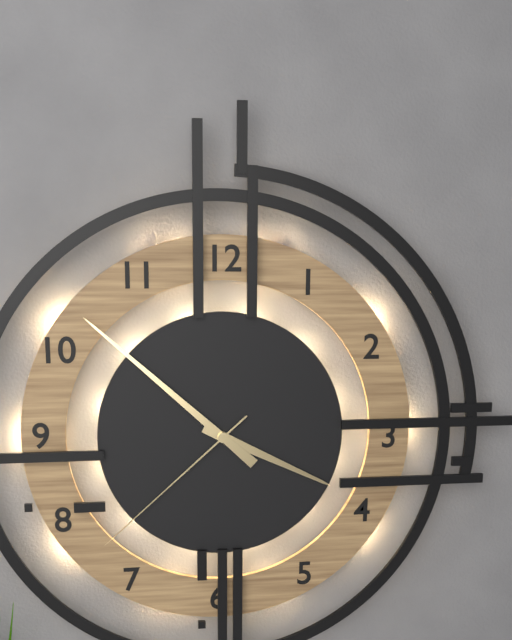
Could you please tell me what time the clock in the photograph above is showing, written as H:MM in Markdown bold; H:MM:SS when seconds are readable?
**3:52:38**
